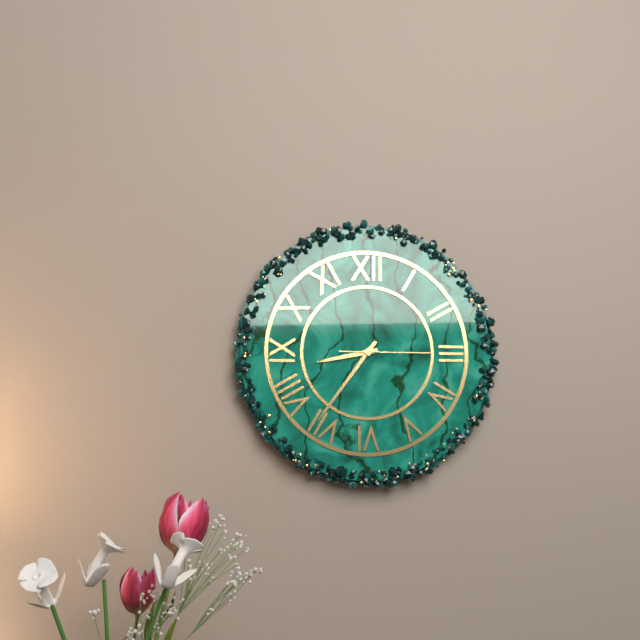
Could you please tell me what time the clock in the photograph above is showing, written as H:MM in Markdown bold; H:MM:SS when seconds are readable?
**8:36:15**
